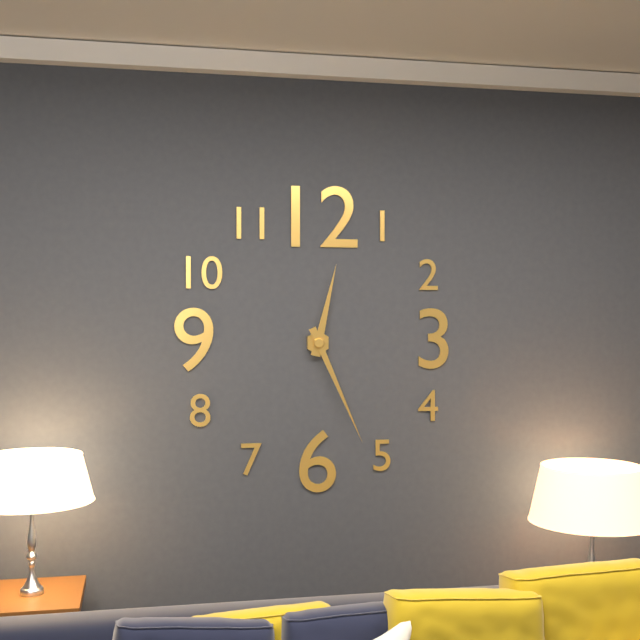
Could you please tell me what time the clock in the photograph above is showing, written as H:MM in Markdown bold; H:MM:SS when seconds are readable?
**12:26**
